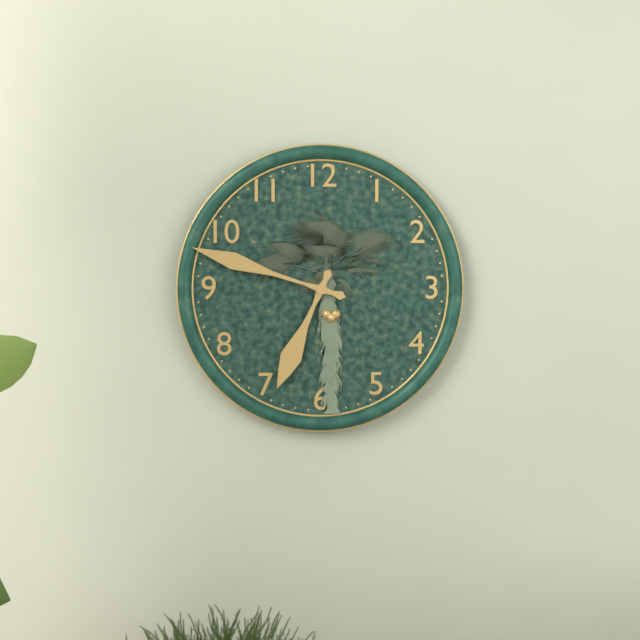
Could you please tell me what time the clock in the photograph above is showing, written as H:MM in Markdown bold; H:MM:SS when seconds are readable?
**6:48**
